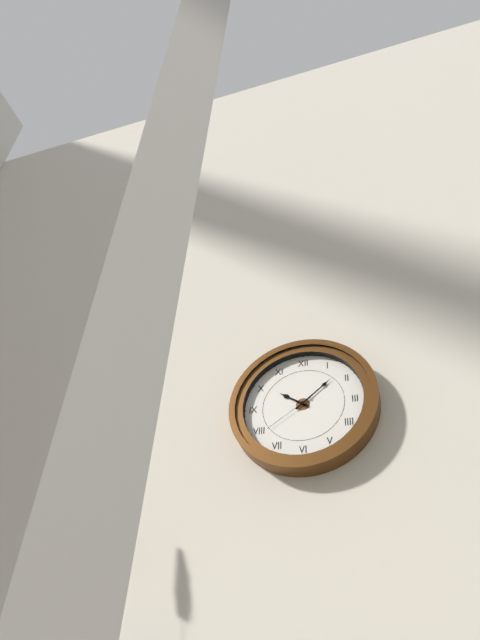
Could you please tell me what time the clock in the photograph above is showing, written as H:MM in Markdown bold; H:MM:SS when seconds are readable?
**10:08:39**
